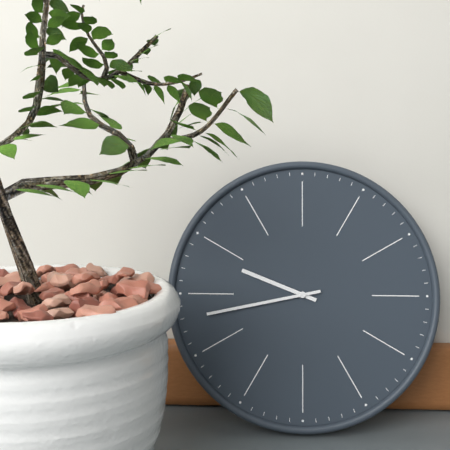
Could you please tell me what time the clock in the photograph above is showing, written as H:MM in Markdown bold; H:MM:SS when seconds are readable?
**9:43**
